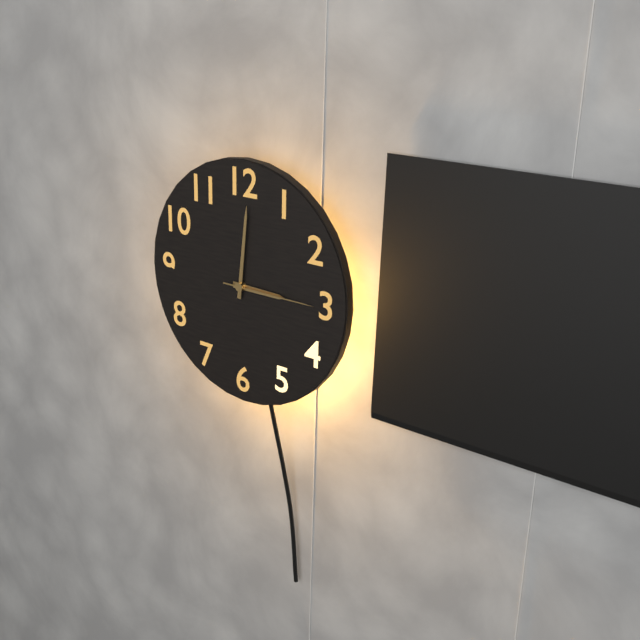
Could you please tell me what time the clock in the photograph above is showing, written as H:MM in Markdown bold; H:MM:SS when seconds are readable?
**3:01:15**
